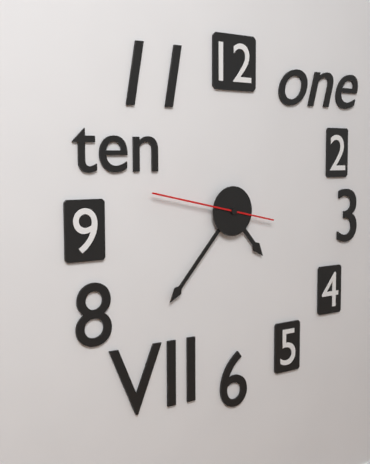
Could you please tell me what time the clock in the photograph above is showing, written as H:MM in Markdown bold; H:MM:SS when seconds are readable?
**4:37:47**
